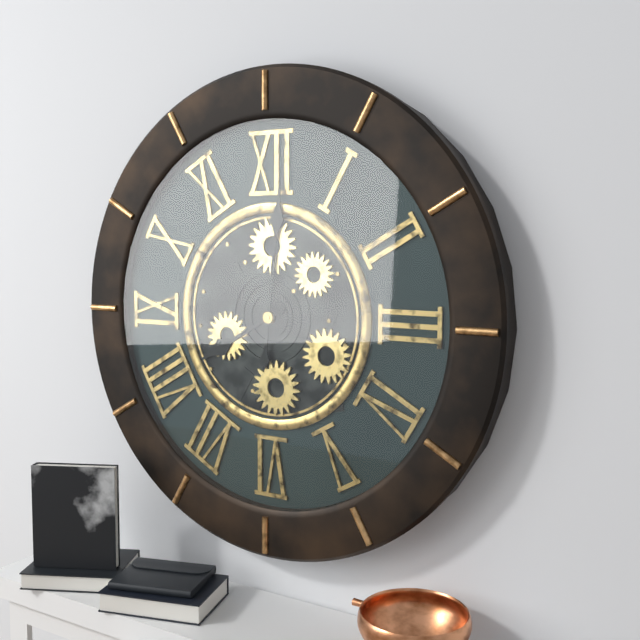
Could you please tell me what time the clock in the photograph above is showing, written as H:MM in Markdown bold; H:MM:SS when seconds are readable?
**8:01**
